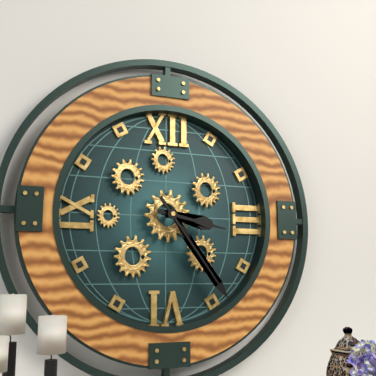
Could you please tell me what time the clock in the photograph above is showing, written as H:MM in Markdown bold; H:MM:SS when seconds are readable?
**3:24**
